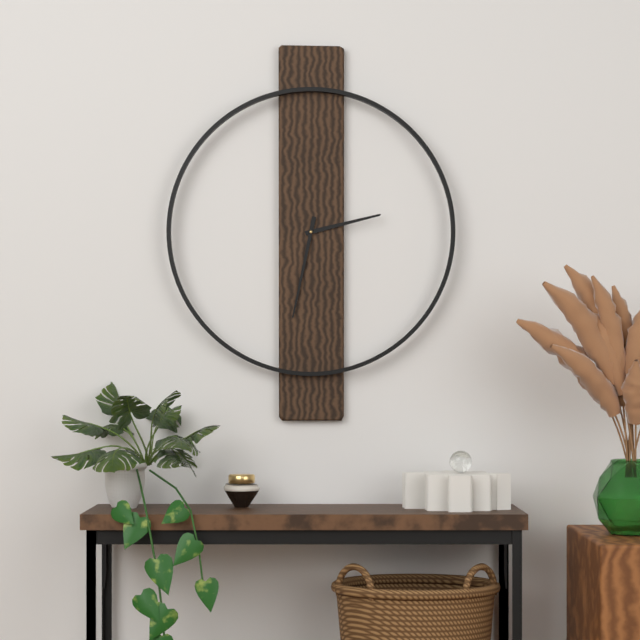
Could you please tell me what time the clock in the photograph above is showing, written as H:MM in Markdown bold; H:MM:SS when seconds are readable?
**2:32**
